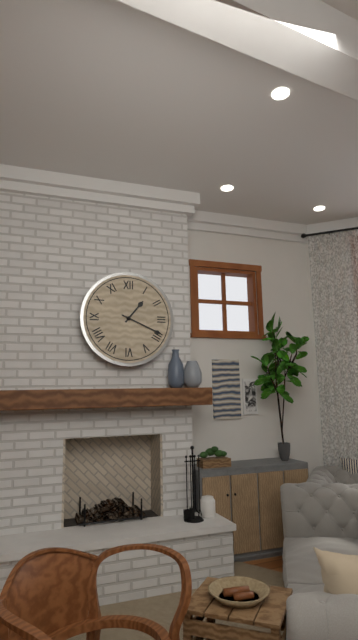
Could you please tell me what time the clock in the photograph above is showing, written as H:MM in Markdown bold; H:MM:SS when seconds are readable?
**1:19**
